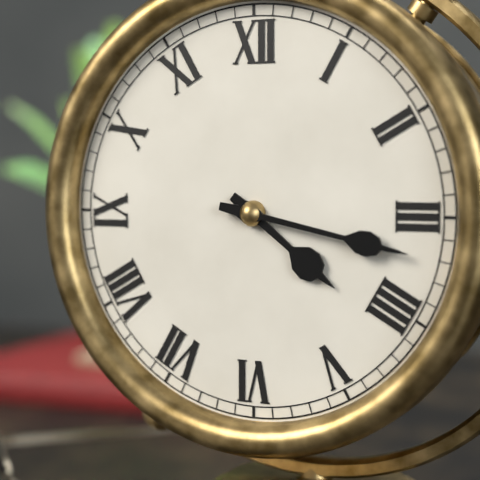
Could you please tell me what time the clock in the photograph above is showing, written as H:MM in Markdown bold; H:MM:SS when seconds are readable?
**4:17**
